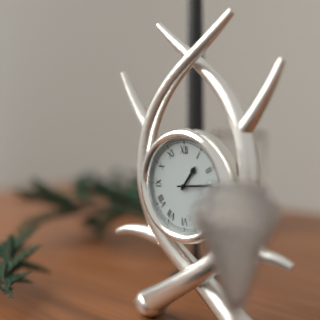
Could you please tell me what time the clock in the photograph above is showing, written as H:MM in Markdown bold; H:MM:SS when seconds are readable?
**1:14**
